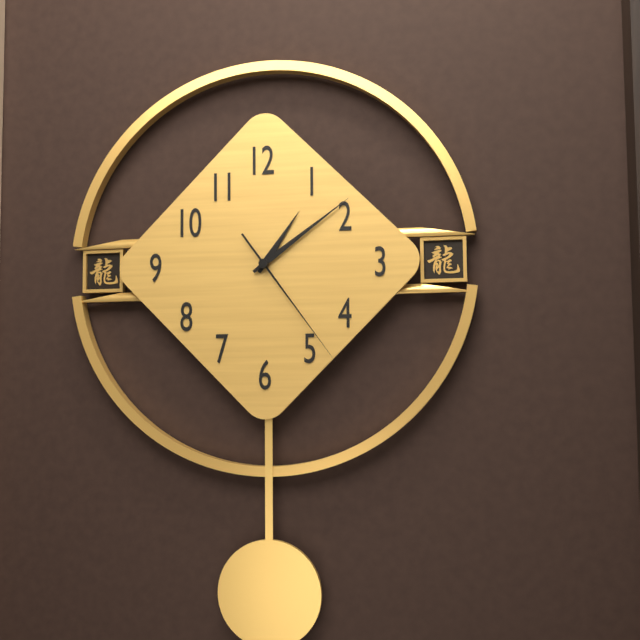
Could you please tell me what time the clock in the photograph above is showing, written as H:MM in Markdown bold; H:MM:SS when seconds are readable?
**1:09:24**
